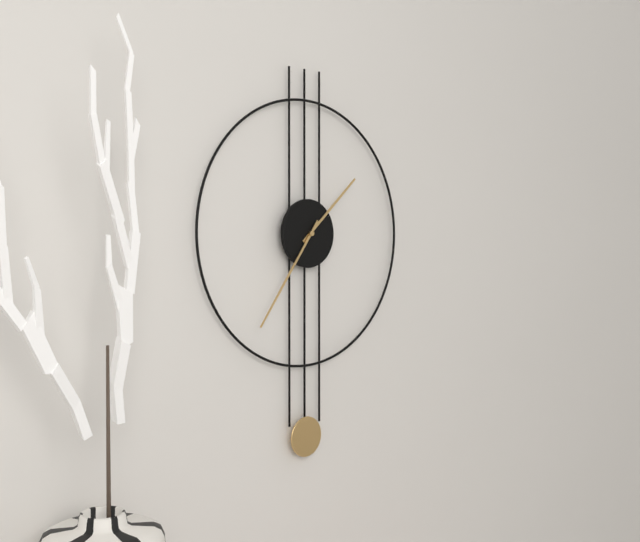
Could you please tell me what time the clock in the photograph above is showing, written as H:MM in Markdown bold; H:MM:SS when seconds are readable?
**1:36**
